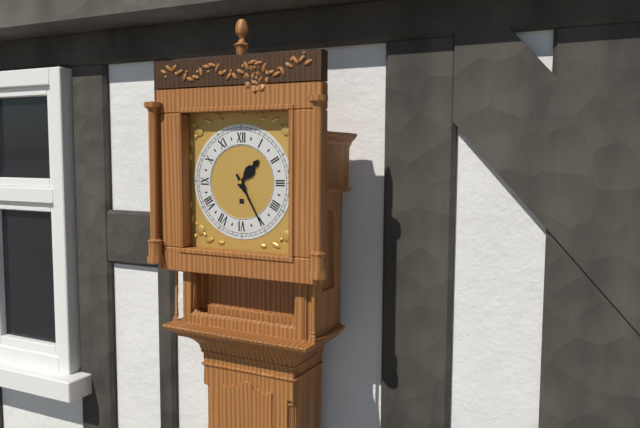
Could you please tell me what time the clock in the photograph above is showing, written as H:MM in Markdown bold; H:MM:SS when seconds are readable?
**1:25**
